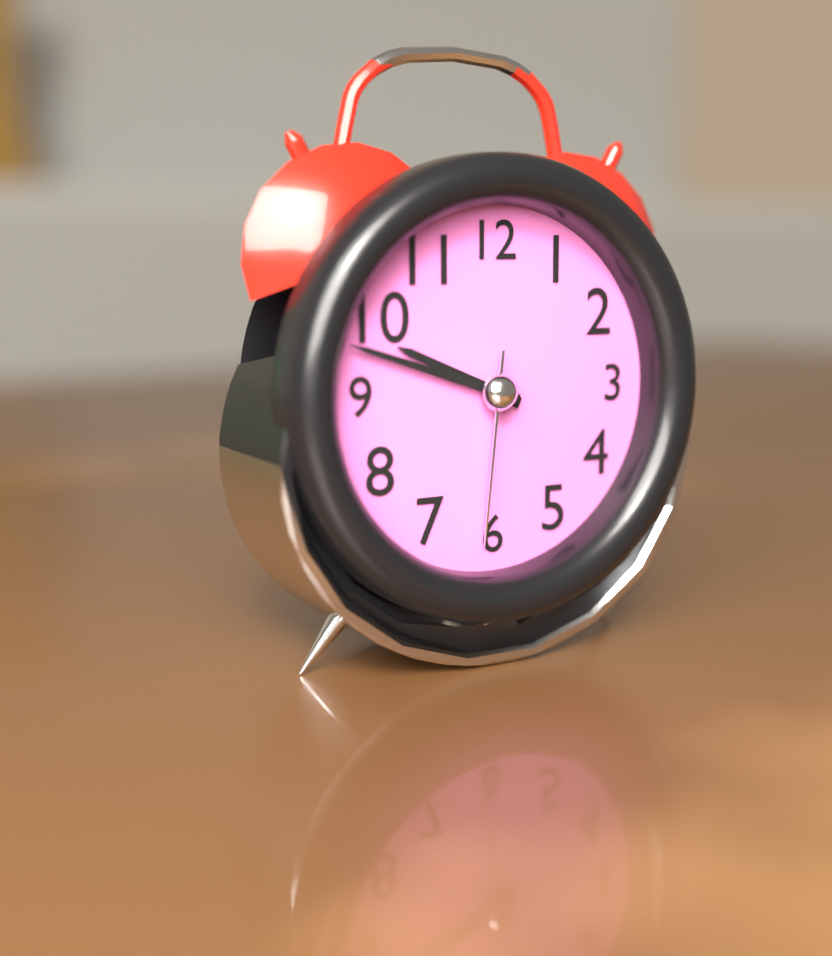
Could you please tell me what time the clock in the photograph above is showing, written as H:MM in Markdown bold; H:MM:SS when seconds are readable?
**9:48:31**
